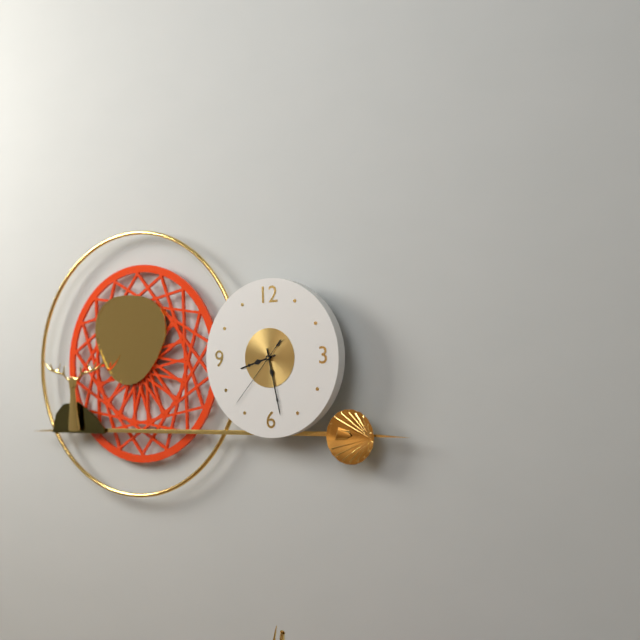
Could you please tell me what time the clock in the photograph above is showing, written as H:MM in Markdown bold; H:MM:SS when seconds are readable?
**8:28:37**
